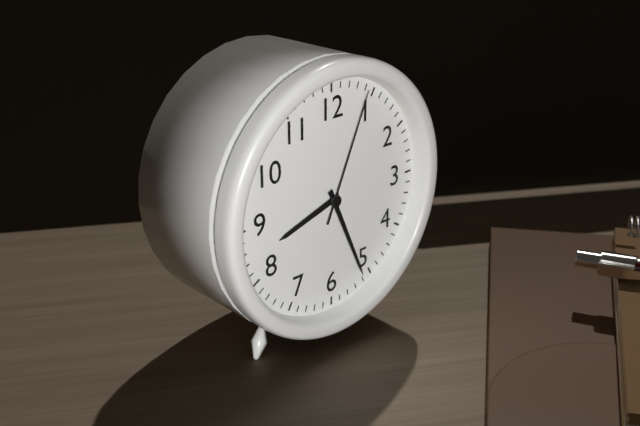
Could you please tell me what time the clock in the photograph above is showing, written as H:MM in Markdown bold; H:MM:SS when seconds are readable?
**8:26:04**
